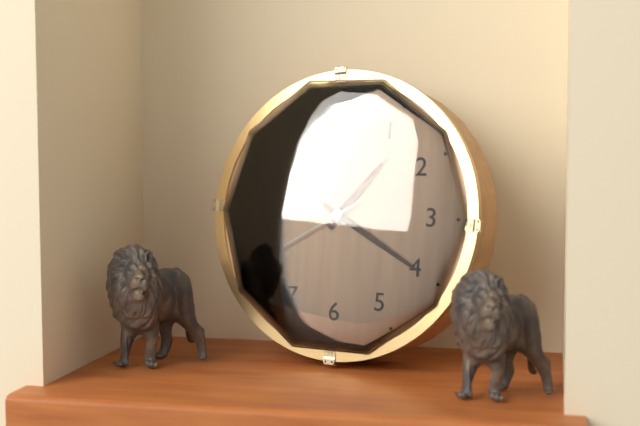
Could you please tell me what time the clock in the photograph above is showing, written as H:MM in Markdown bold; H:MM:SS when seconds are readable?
**1:20:40**
